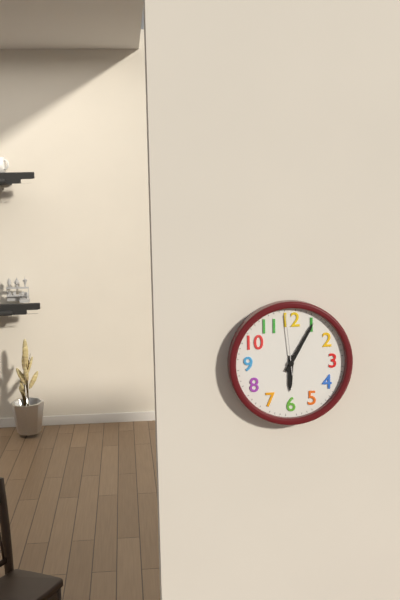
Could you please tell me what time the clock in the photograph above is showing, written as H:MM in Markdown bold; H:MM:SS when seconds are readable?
**6:05:59**
